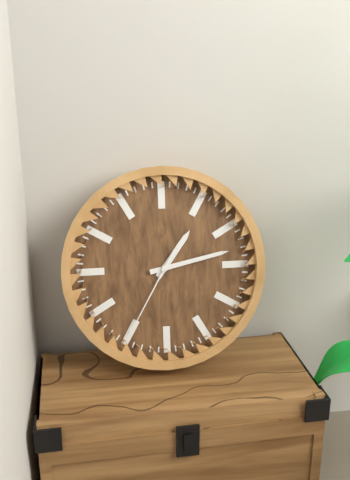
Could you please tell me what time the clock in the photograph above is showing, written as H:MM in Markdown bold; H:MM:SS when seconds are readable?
**1:13:35**
